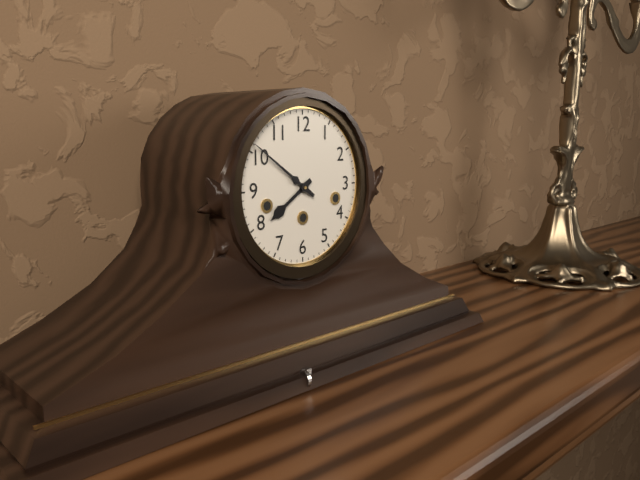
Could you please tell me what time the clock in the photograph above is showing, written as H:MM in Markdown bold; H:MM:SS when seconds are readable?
**7:51**
